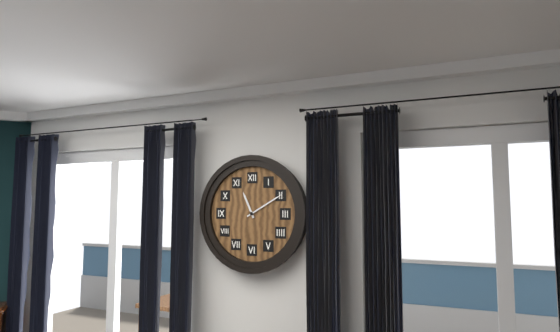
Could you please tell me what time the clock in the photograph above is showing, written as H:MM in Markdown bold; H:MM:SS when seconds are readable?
**11:10**
